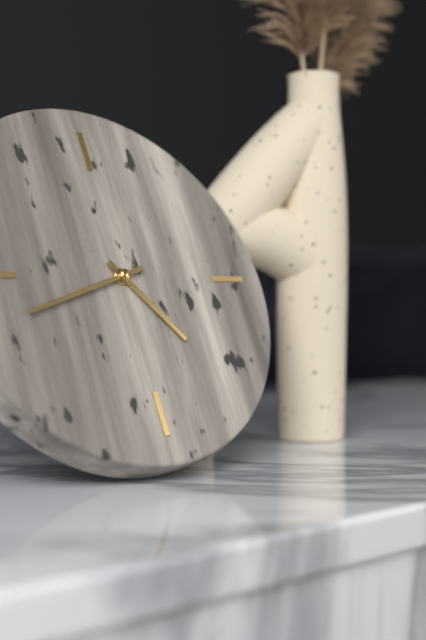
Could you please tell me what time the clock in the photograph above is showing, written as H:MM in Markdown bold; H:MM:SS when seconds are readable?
**4:42**
